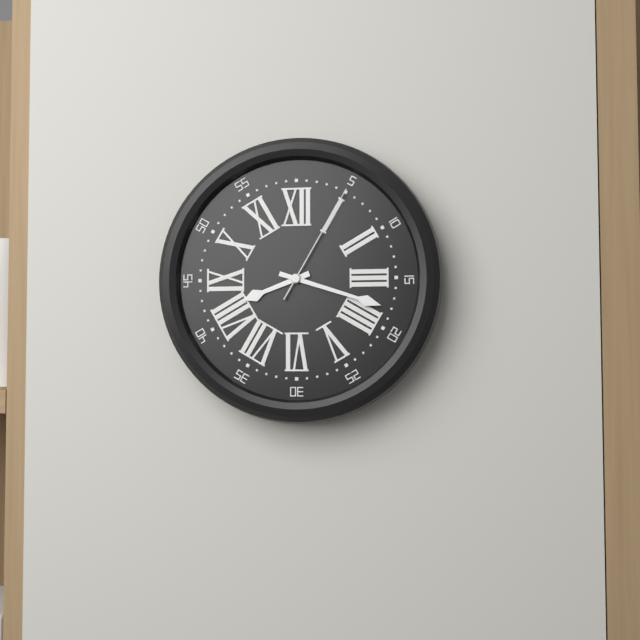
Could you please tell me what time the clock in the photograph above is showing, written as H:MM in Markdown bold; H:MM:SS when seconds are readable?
**8:18:05**
